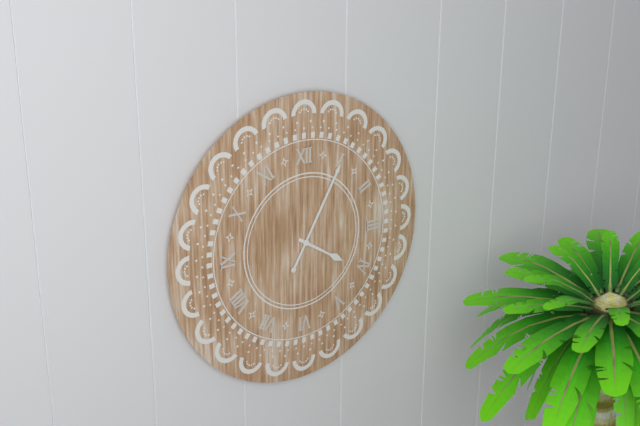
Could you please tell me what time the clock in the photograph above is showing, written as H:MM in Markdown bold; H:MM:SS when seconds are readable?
**4:05**
